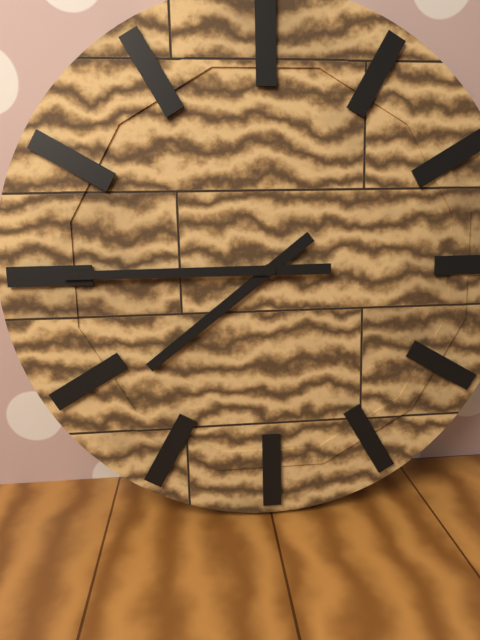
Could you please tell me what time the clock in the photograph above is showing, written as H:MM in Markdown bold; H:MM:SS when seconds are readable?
**7:45**
